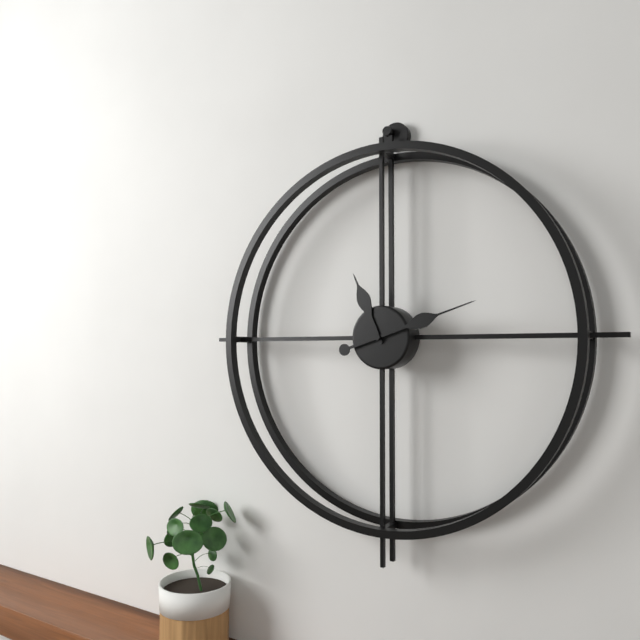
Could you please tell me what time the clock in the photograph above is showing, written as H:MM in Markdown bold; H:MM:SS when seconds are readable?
**11:12**
